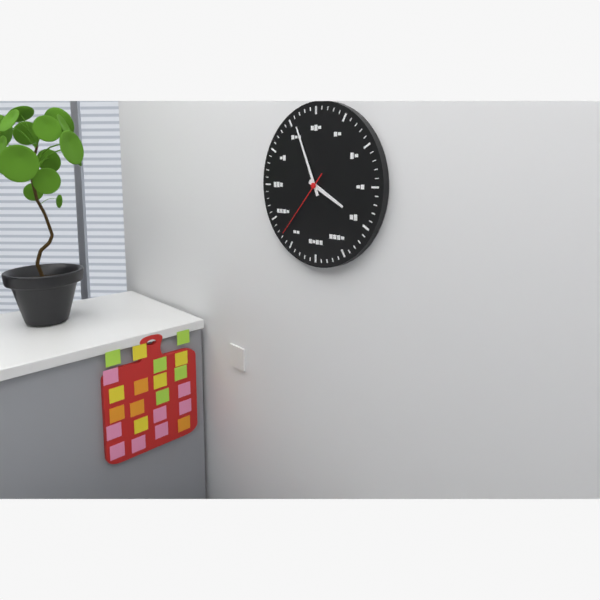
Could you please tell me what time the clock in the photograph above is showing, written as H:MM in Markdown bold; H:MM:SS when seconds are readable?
**3:56:37**
